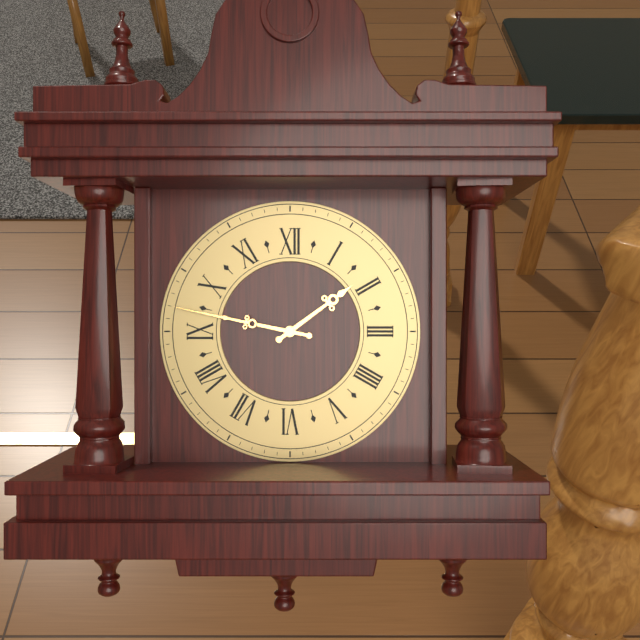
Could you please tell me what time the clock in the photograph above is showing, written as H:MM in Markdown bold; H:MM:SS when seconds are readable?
**1:47**
